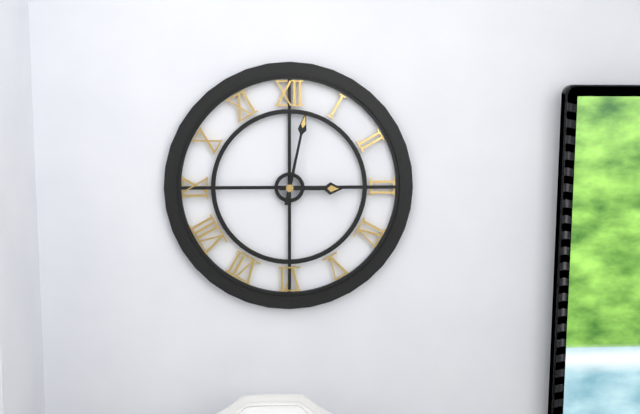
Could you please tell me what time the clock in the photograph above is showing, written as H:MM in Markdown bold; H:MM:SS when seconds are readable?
**3:02**
